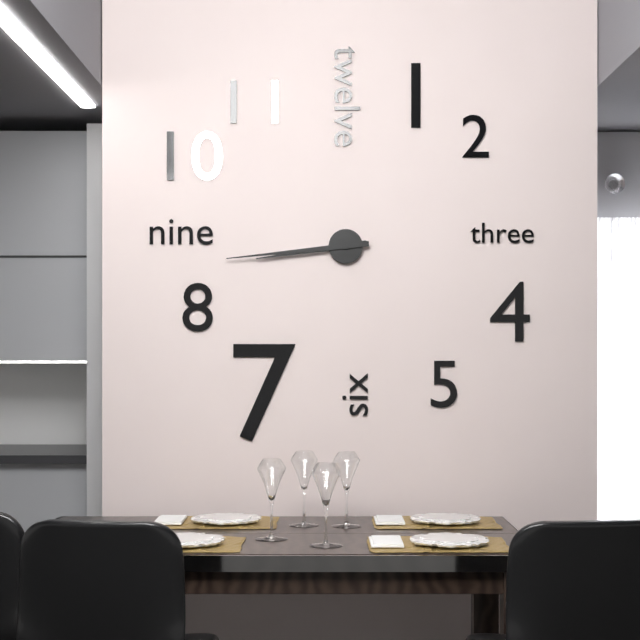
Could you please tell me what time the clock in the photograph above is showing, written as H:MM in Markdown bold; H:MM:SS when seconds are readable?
**8:44**
